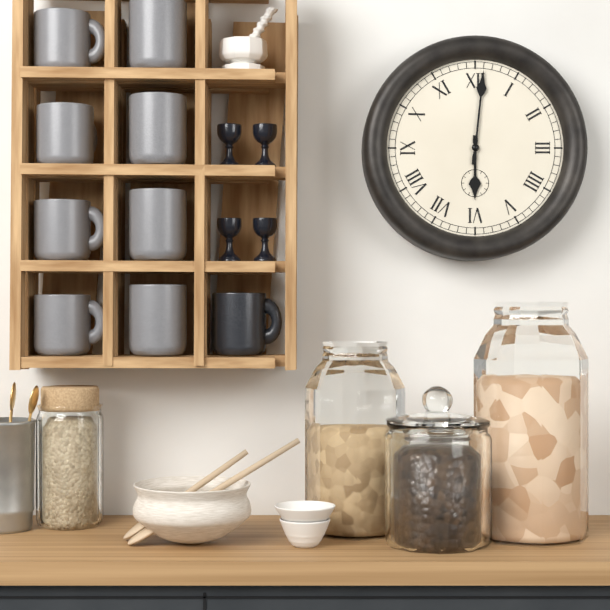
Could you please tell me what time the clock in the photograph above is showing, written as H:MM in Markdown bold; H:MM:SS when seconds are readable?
**6:01**
